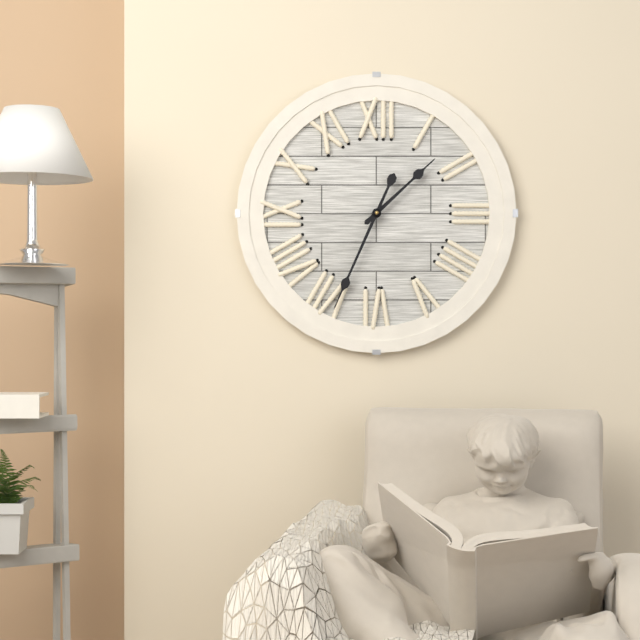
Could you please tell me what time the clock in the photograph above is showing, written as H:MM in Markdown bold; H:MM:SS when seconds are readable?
**1:34**
